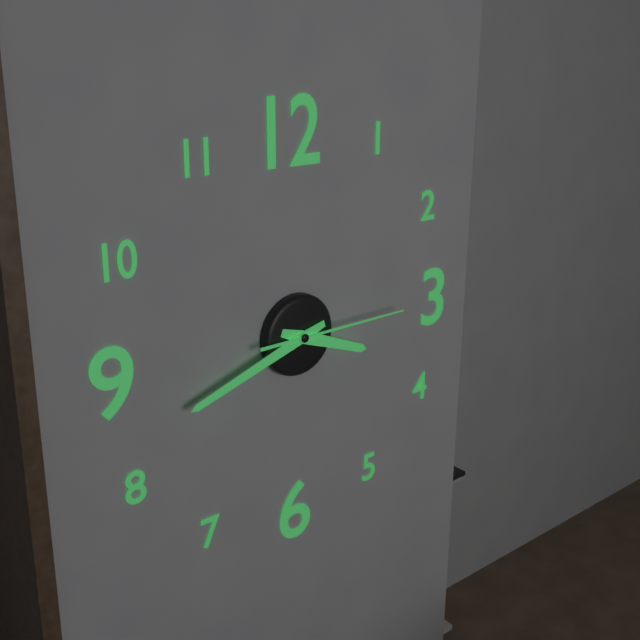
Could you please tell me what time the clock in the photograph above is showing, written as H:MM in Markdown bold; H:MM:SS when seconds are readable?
**3:42:15**
